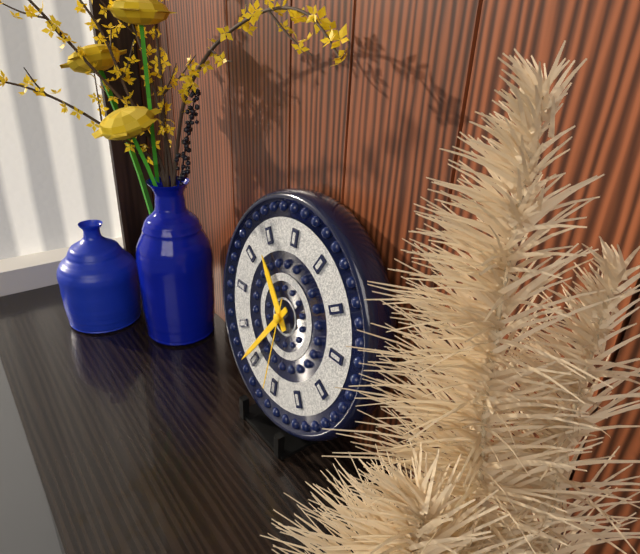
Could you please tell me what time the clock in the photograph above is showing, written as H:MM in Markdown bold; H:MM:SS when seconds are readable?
**10:36:31**
